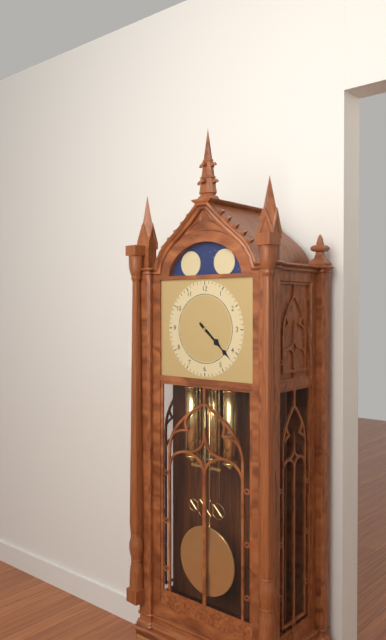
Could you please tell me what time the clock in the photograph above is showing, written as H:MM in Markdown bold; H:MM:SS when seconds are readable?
**4:22**
